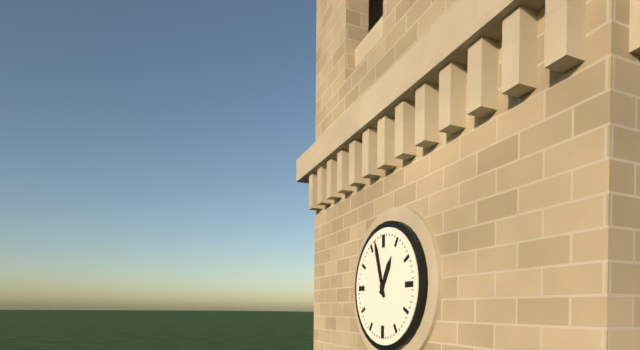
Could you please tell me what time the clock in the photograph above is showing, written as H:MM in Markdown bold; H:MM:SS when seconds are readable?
**12:57**
